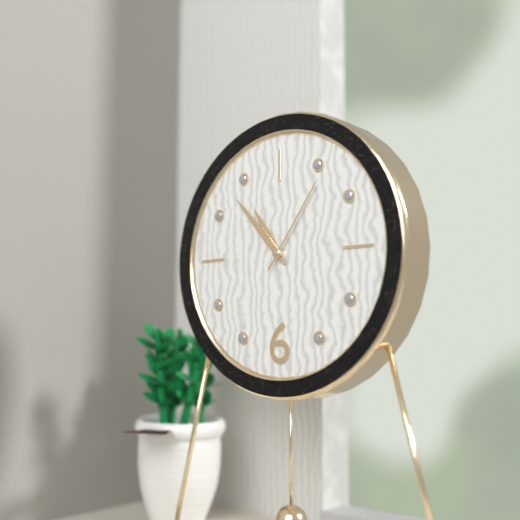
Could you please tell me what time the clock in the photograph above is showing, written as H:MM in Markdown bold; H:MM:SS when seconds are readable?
**10:53:06**
